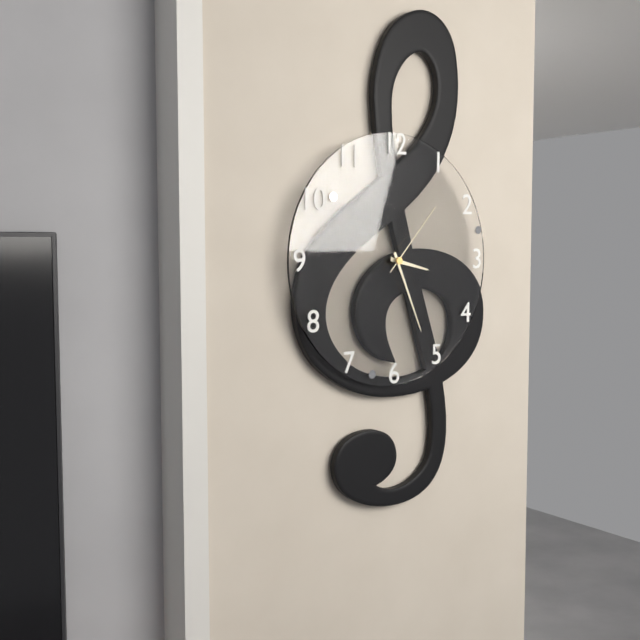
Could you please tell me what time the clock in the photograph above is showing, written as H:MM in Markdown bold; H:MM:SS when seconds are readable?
**3:26:07**
